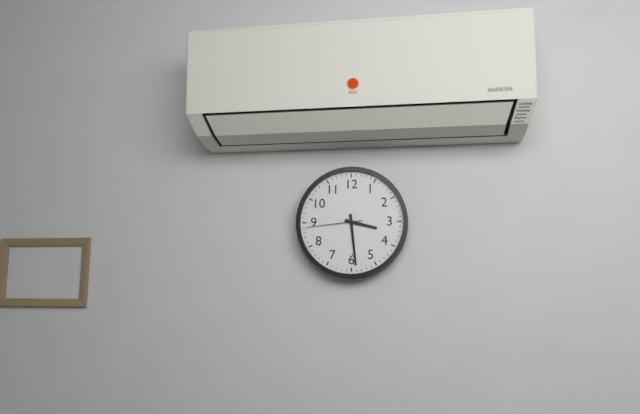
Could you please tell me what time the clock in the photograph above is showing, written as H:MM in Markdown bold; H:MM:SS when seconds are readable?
**3:29:44**
